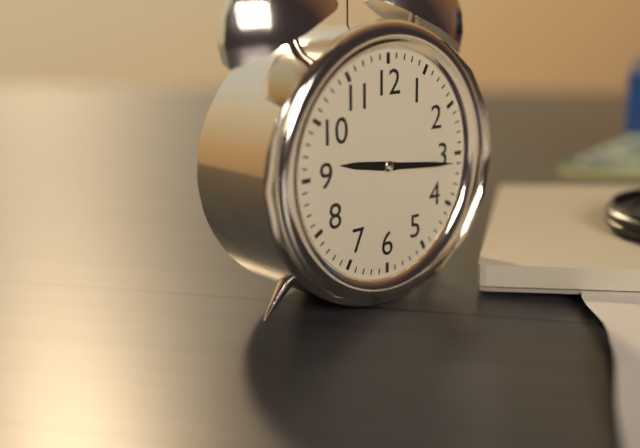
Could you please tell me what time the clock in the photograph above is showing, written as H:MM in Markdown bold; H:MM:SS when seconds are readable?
**9:16**
